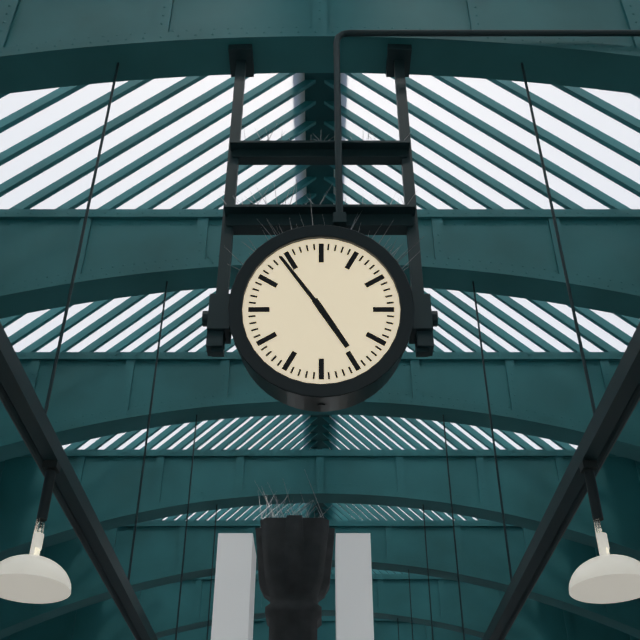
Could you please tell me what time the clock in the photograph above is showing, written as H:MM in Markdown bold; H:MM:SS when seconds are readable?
**4:54**
